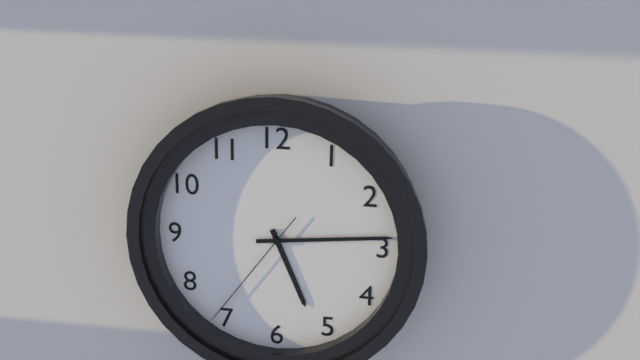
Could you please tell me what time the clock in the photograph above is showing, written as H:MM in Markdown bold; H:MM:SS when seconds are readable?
**5:14:36**
